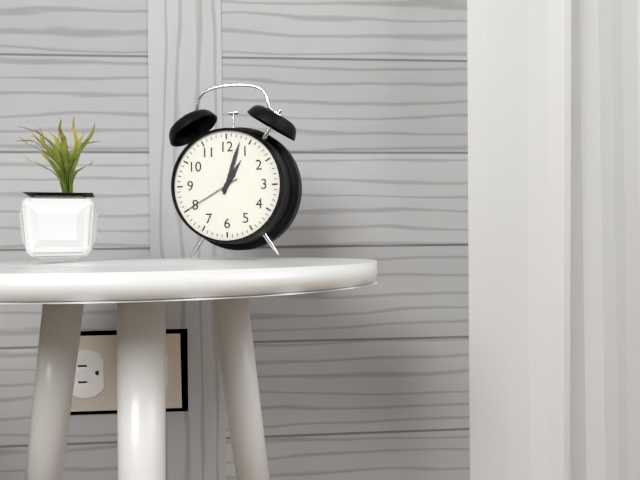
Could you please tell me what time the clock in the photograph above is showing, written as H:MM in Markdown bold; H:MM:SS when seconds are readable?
**1:03:40**
